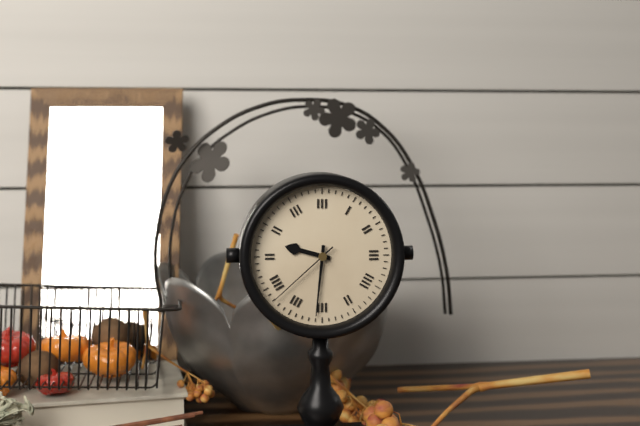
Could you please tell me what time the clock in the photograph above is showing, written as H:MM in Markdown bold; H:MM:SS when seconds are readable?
**9:31:38**
